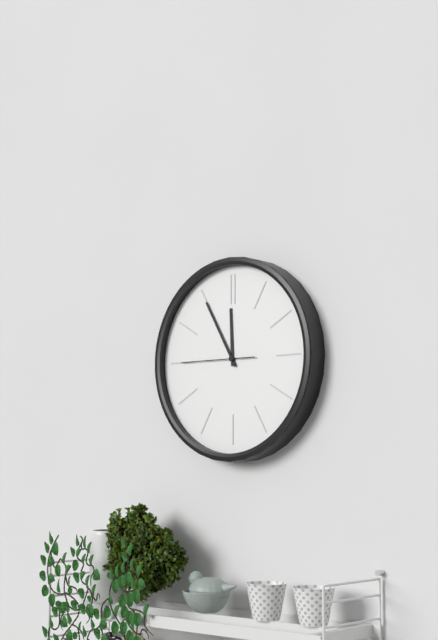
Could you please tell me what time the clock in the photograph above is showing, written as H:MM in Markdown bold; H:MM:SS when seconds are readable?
**11:55:45**
